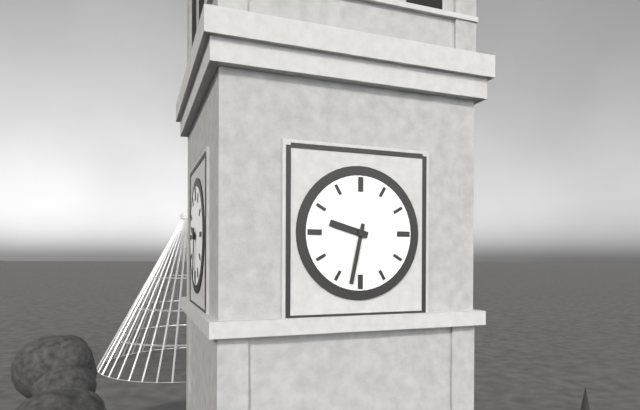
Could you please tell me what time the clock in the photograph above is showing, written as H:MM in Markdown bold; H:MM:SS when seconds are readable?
**9:32**
